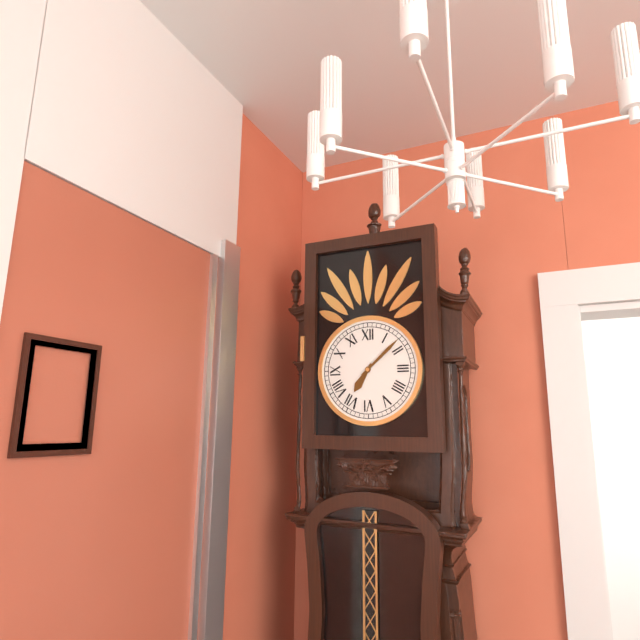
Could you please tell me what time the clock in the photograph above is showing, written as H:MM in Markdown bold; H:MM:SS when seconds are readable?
**7:08**
